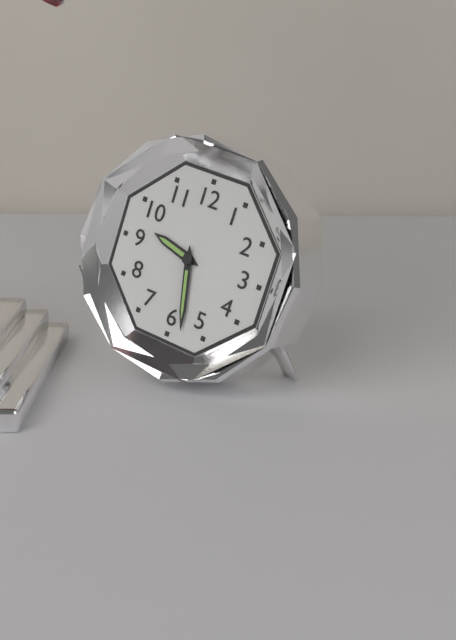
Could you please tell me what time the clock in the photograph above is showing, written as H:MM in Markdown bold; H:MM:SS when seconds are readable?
**9:28**
